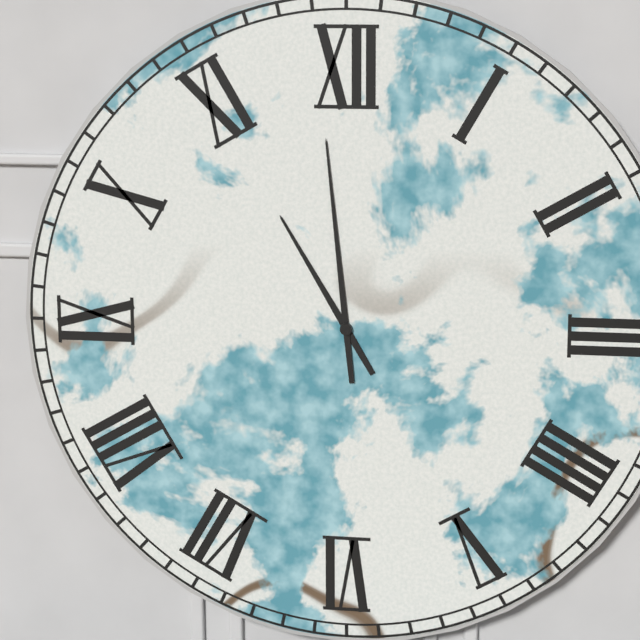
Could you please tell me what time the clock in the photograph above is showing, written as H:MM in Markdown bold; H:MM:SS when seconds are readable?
**10:59**
